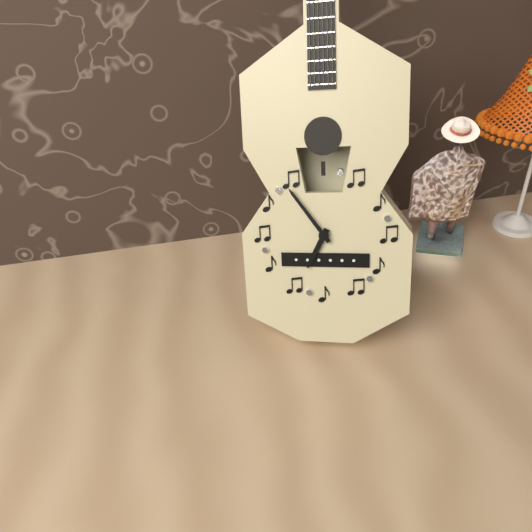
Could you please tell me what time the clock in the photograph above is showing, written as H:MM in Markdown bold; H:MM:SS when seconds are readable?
**6:54**
